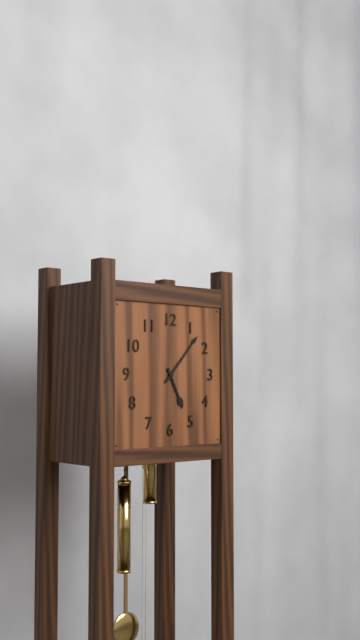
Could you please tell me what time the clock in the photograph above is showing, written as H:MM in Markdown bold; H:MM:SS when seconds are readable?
**5:07**
